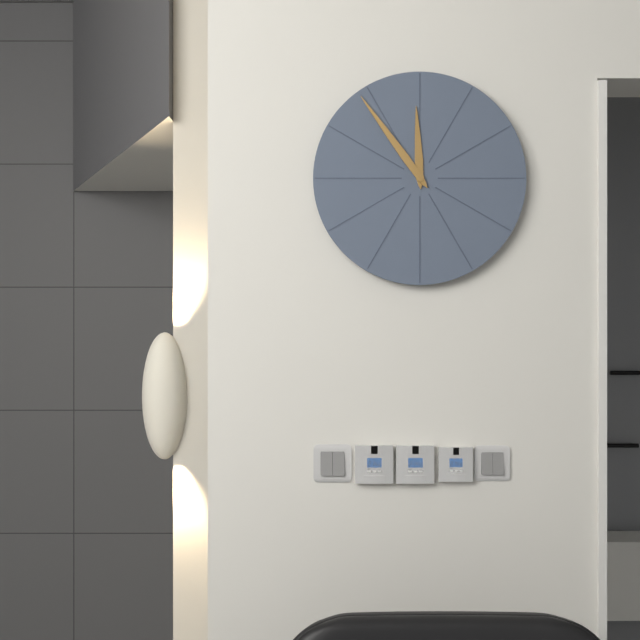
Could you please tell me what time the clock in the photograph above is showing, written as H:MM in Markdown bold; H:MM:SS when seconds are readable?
**11:54**
